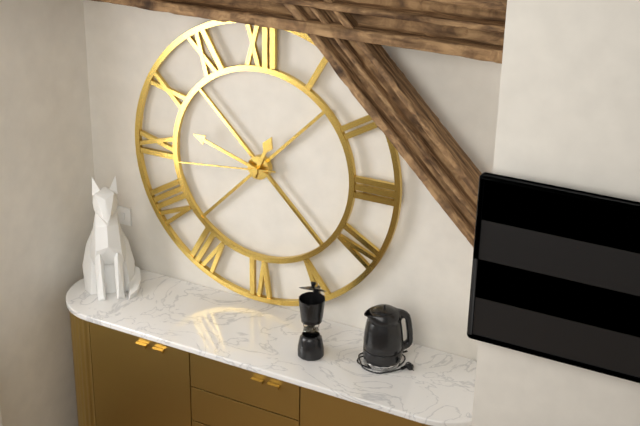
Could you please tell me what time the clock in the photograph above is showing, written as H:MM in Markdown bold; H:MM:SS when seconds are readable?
**12:48:44**
